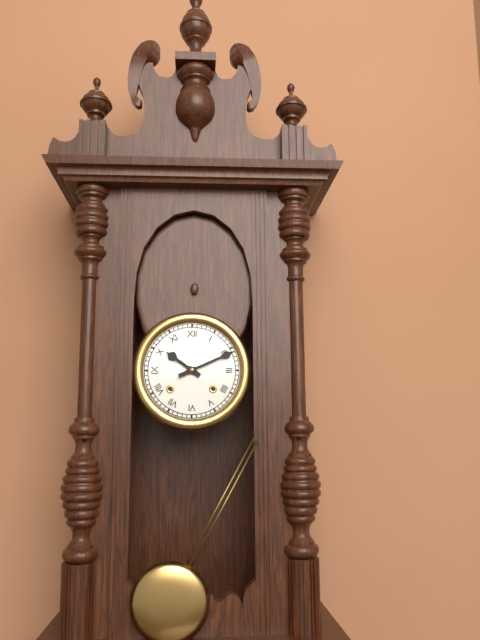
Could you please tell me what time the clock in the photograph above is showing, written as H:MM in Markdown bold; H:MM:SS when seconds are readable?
**10:11**
